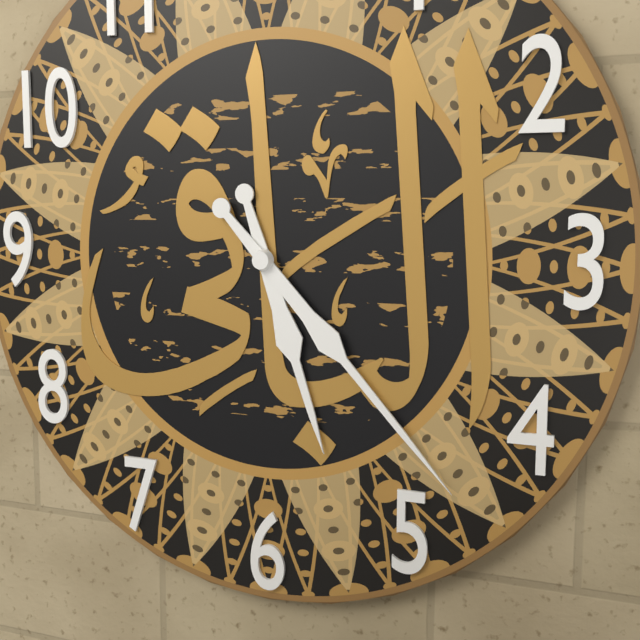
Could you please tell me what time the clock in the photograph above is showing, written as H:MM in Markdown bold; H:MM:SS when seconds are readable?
**5:23**
